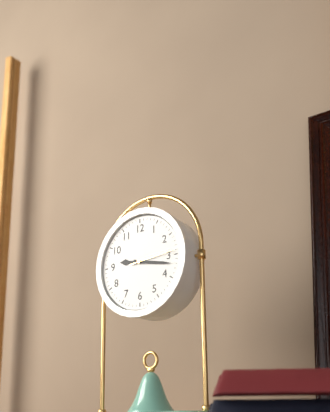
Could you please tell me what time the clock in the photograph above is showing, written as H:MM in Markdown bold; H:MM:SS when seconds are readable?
**9:17**
